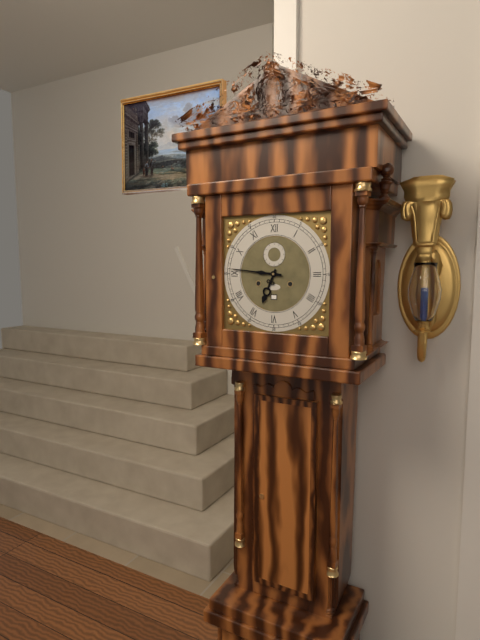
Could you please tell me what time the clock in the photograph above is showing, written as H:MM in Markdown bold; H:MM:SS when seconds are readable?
**6:46**
